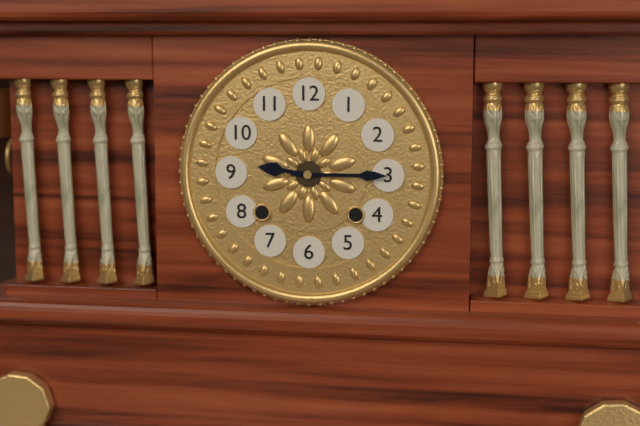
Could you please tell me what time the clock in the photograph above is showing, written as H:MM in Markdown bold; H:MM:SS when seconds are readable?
**9:15**
